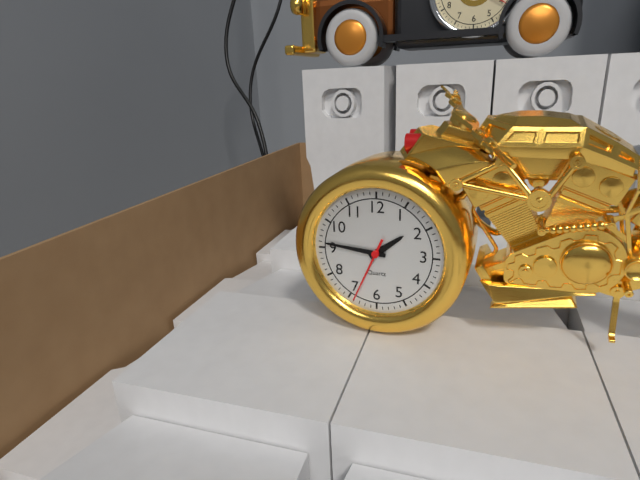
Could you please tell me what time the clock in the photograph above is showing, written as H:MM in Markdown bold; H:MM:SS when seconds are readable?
**1:46:34**
